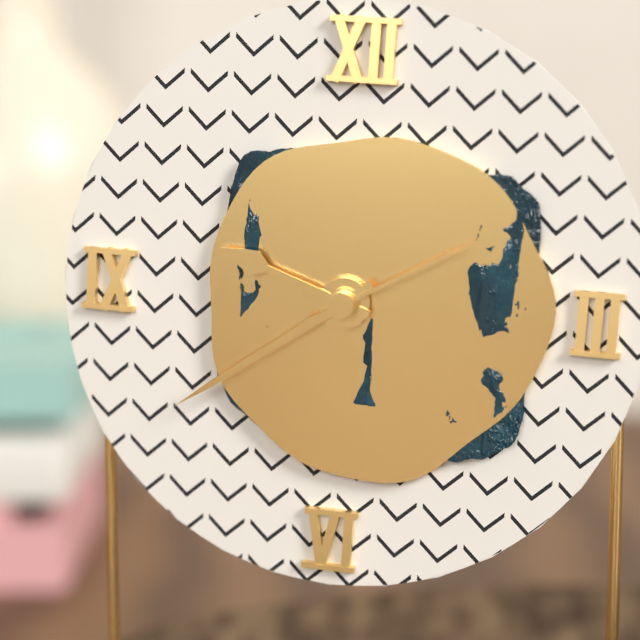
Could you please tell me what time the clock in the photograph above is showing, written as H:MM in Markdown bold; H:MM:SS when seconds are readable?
**9:39:10**
